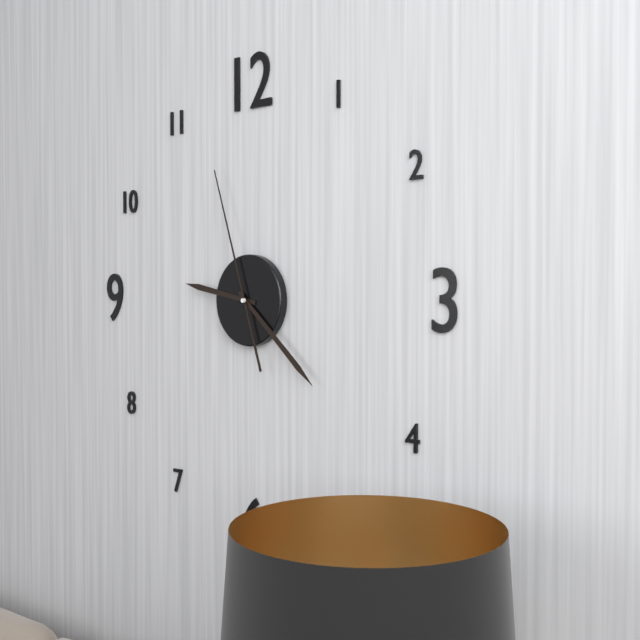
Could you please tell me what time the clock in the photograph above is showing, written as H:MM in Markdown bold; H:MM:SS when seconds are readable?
**9:22:57**
